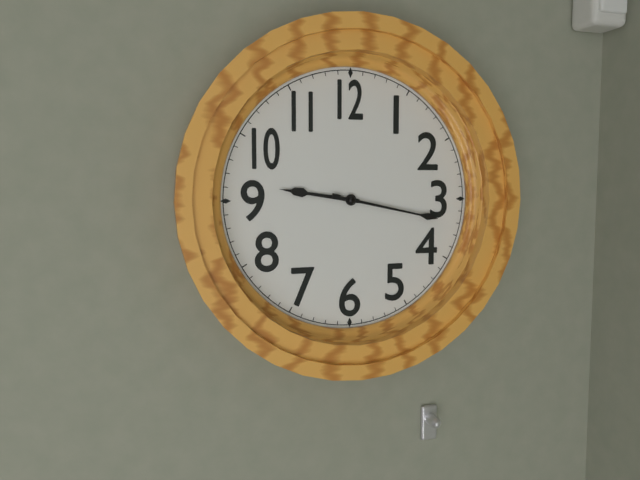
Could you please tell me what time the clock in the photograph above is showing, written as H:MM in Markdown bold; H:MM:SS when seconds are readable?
**9:17**
